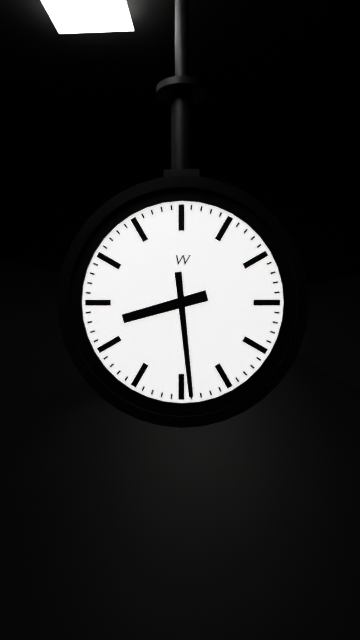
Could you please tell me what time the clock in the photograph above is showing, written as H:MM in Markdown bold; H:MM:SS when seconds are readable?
**8:29**
